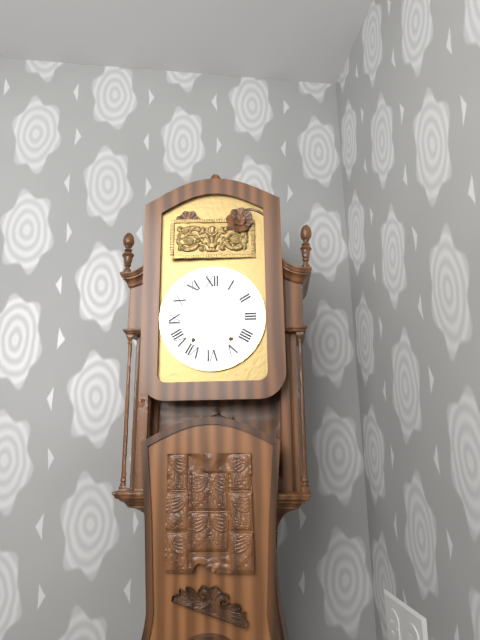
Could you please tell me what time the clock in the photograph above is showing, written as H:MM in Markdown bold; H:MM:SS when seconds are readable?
**10:54**
